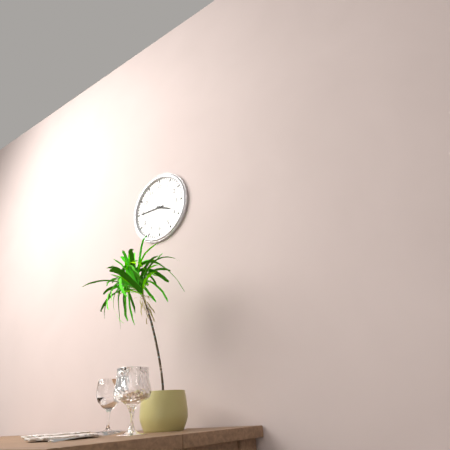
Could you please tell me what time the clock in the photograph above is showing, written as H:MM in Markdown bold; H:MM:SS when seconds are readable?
**3:45**
